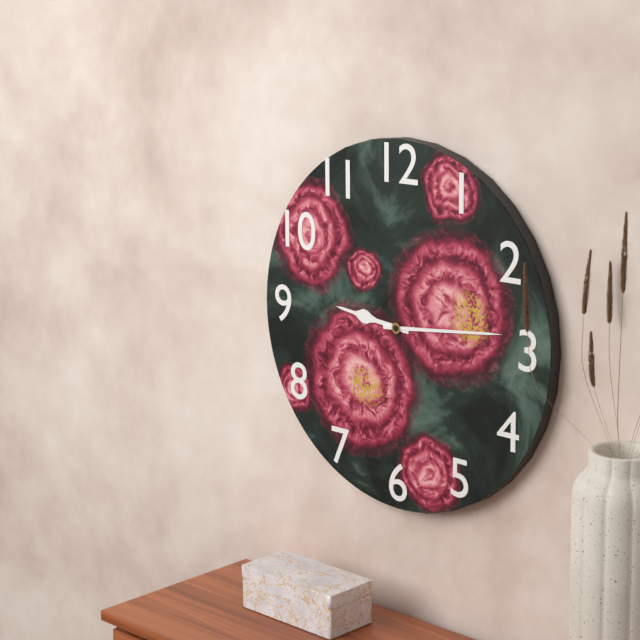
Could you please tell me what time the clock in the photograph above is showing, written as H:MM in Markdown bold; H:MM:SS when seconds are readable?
**9:14**
